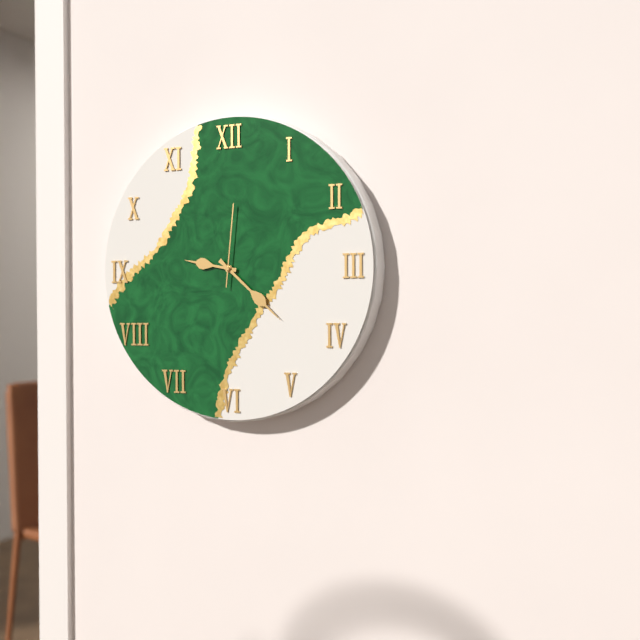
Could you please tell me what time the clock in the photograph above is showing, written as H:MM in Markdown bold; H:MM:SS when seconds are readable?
**9:22:01**
